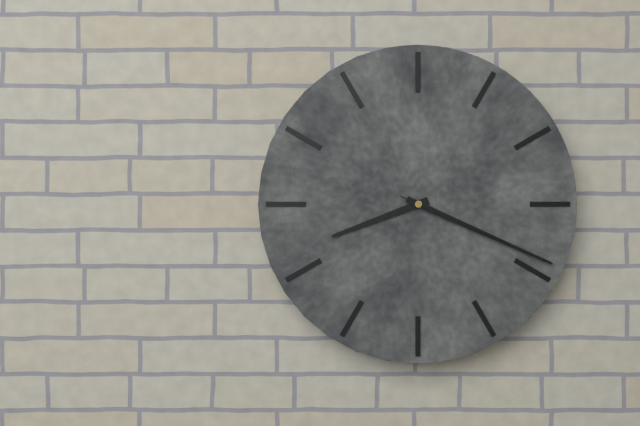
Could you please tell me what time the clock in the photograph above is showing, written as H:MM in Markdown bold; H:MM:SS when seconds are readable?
**8:19:19**
